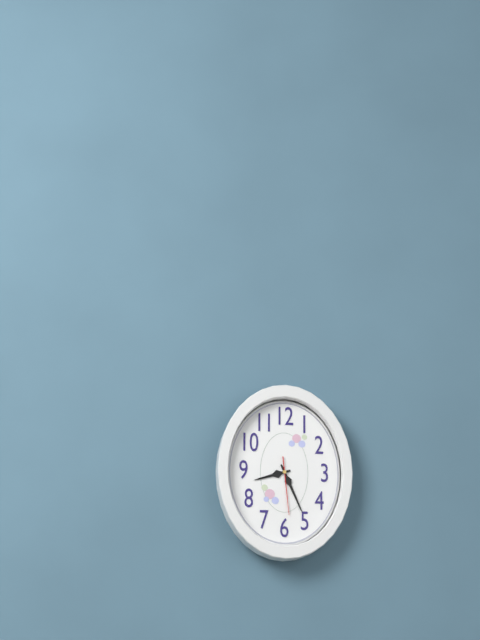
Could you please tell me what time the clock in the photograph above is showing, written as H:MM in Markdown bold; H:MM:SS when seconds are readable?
**8:26:29**
